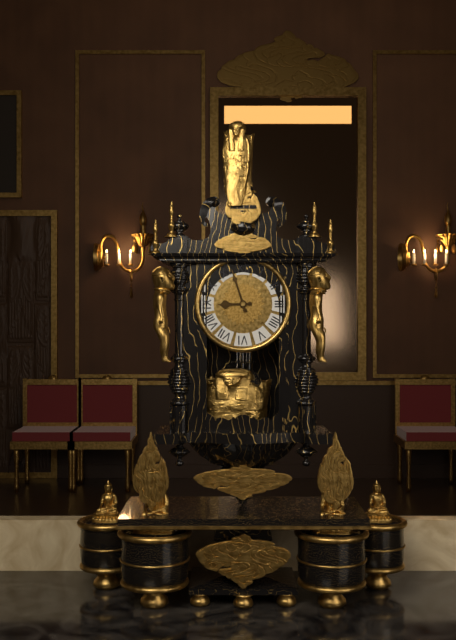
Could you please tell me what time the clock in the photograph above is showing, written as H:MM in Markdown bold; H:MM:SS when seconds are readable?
**8:57**
